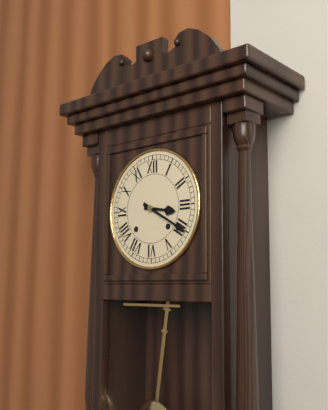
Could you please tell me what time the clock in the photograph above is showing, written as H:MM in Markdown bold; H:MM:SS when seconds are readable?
**3:20**
